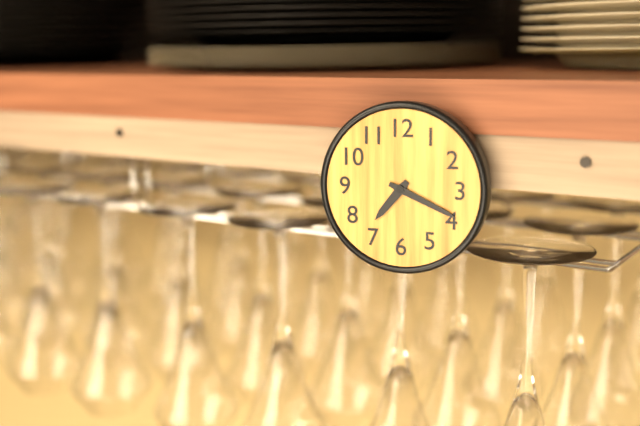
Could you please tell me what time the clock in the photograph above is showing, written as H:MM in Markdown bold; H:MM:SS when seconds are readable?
**7:19**
